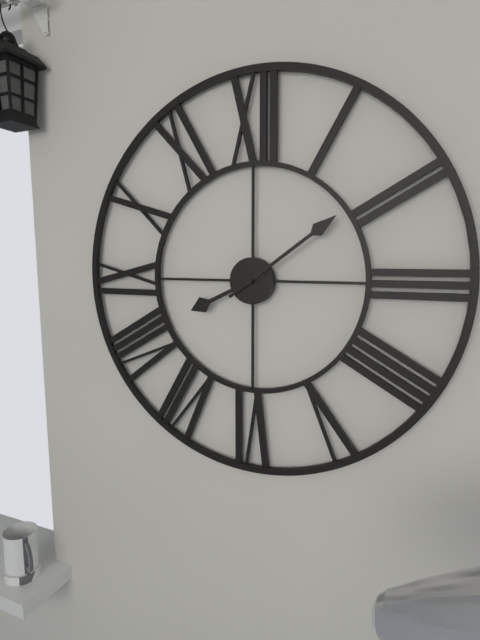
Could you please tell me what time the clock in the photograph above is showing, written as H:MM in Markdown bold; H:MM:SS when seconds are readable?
**8:09**
